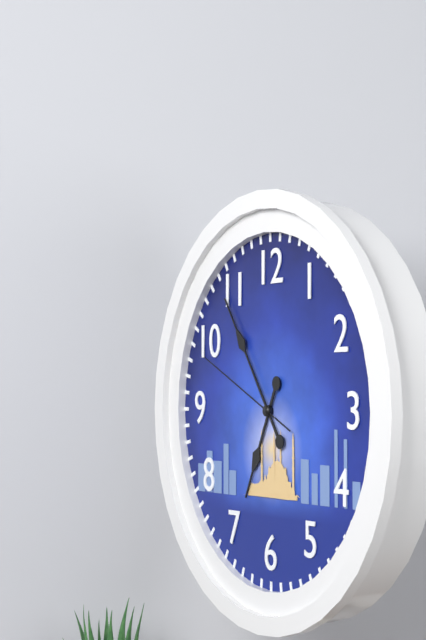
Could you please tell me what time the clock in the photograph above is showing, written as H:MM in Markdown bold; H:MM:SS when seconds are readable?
**6:54:49**
